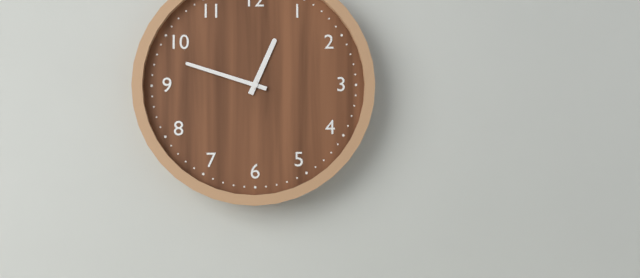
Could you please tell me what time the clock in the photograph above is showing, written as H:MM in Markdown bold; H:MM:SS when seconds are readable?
**12:48**
